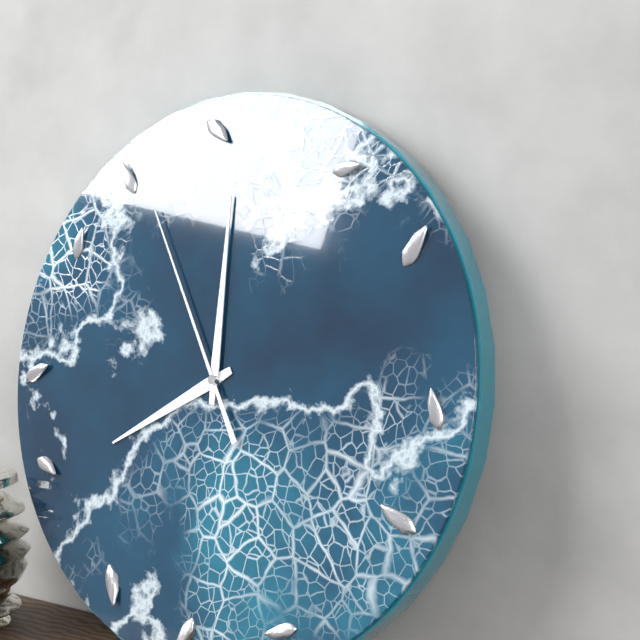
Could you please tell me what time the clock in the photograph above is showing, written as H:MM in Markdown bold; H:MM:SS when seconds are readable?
**8:00:55**
